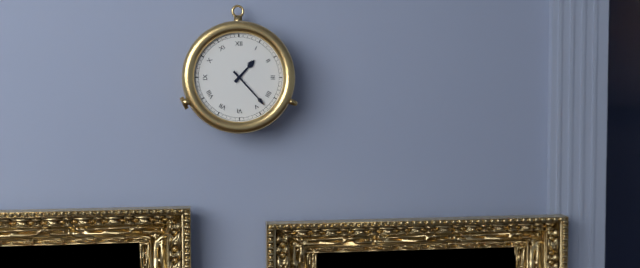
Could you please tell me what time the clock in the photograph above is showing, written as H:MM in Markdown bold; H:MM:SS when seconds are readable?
**1:23**
